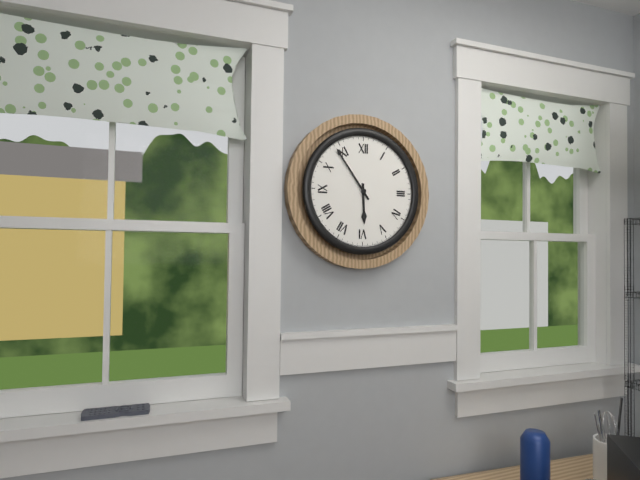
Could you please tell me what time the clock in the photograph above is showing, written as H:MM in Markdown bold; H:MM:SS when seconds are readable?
**5:54**
